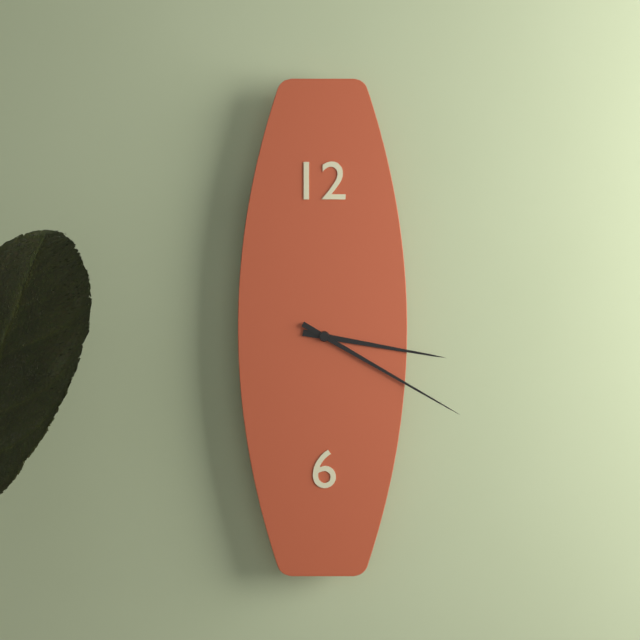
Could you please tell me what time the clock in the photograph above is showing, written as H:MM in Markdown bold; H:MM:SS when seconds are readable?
**3:20**
